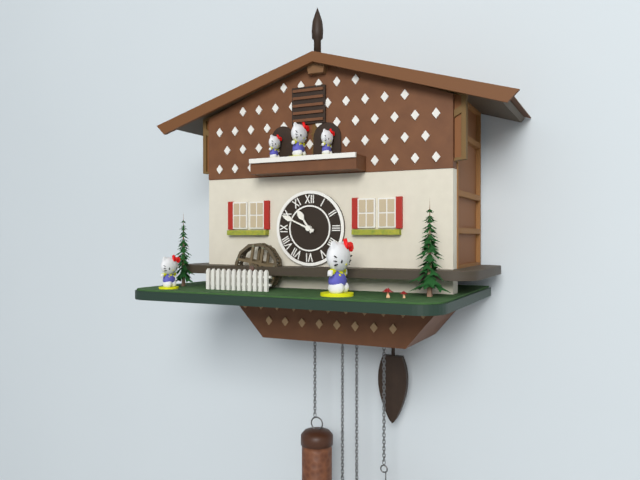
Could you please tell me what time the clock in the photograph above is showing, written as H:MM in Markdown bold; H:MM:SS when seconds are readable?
**10:49**
